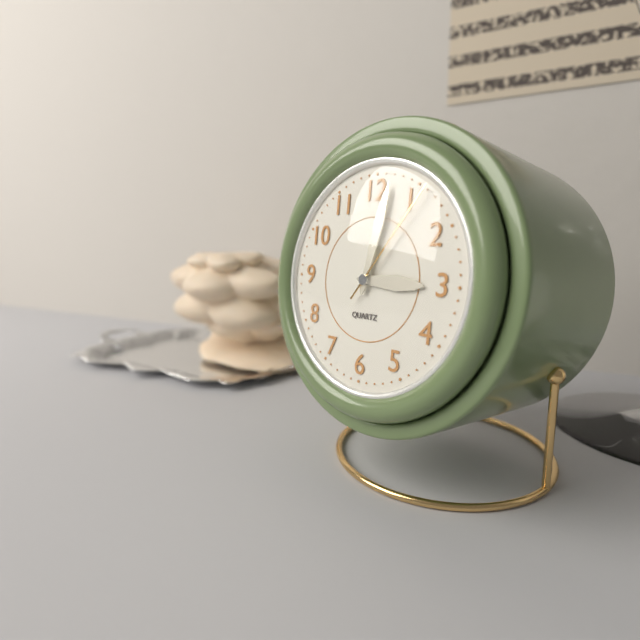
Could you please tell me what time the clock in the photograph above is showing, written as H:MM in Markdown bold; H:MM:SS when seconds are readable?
**3:02:06**
